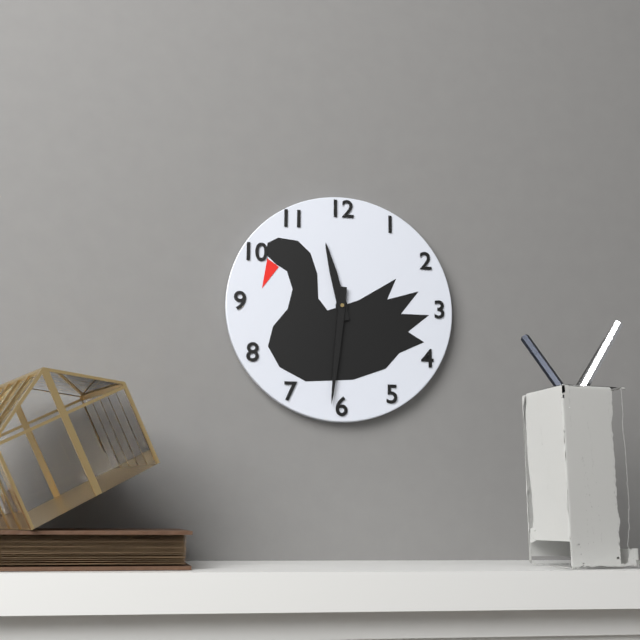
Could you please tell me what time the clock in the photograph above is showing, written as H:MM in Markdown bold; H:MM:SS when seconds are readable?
**11:31**
